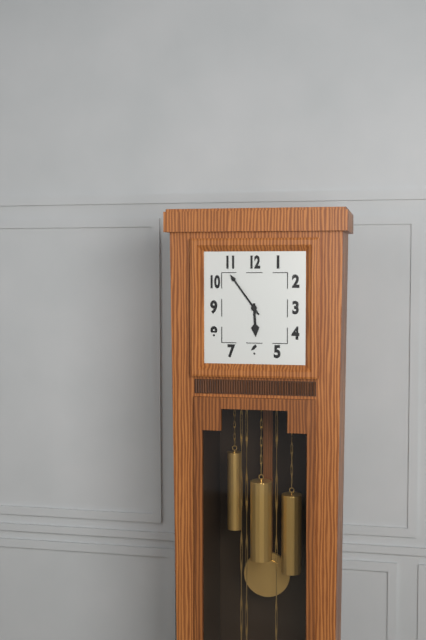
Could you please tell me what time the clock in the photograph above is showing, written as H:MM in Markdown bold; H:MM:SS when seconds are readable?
**5:54**
